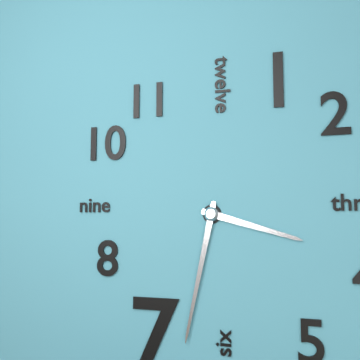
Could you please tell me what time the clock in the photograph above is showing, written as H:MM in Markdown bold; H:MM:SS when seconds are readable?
**3:32**
